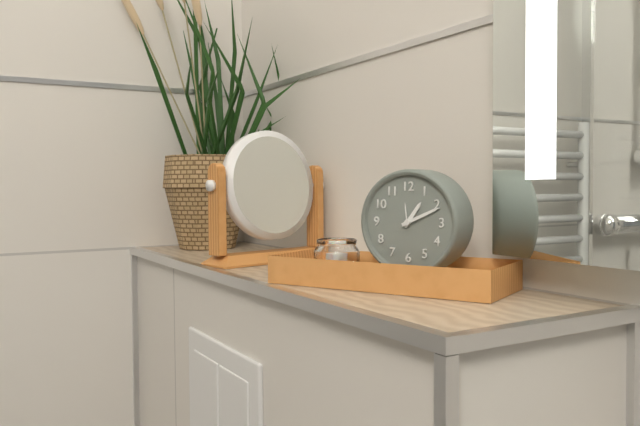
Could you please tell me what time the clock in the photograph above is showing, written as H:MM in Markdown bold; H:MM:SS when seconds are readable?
**1:11**
